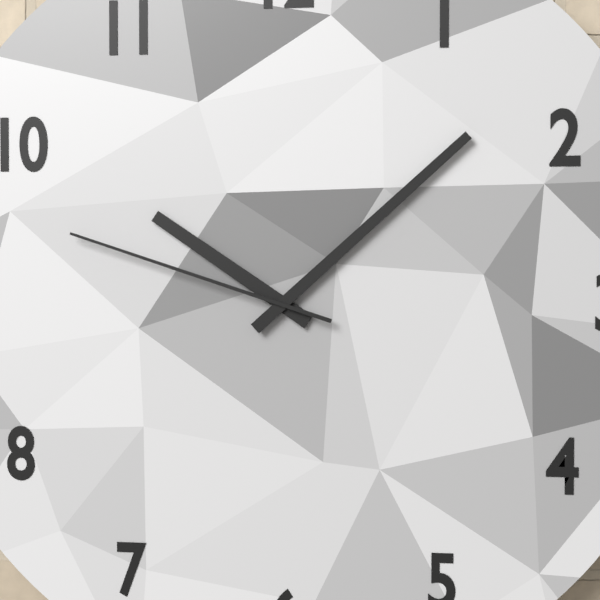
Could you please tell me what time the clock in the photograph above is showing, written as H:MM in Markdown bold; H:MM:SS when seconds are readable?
**10:08:48**
